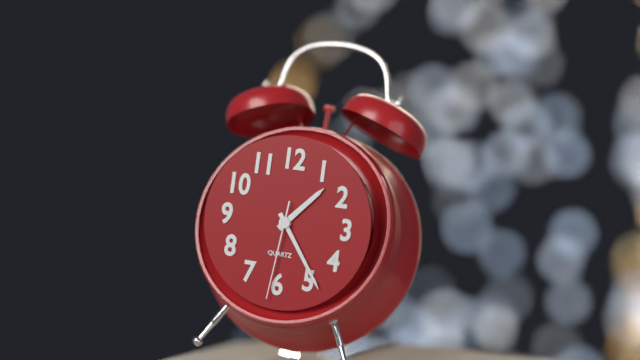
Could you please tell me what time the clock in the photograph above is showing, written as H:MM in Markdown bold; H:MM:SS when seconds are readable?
**1:24:31**
